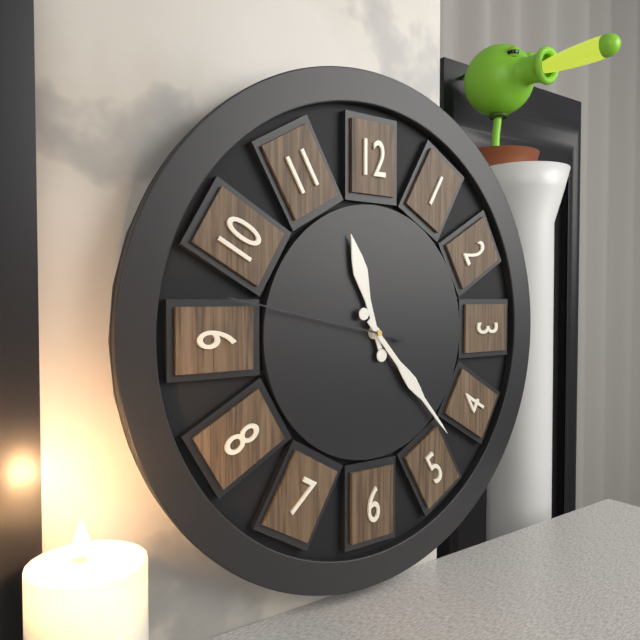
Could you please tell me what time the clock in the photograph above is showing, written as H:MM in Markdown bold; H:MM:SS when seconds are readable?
**11:23:47**
